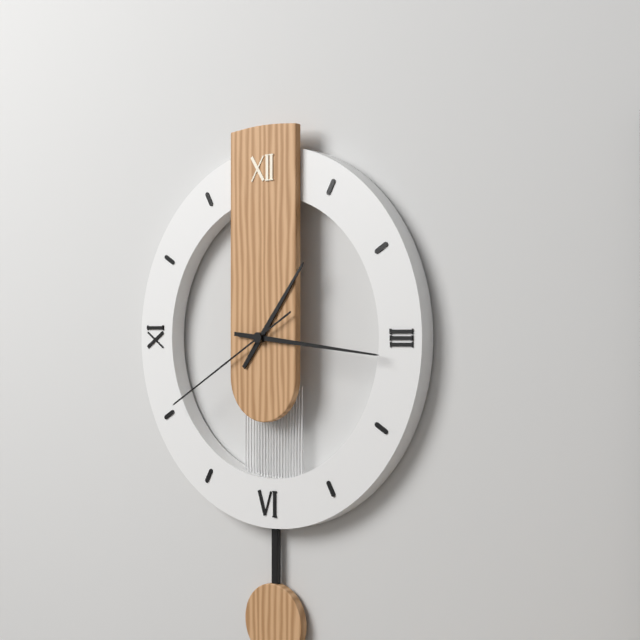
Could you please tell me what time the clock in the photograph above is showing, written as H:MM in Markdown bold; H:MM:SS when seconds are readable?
**1:16:40**
